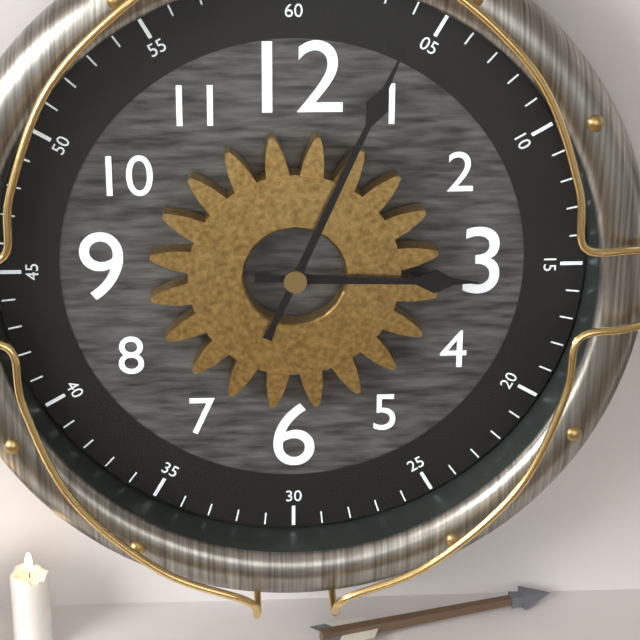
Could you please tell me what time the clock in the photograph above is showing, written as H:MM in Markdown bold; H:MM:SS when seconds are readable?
**3:04**
